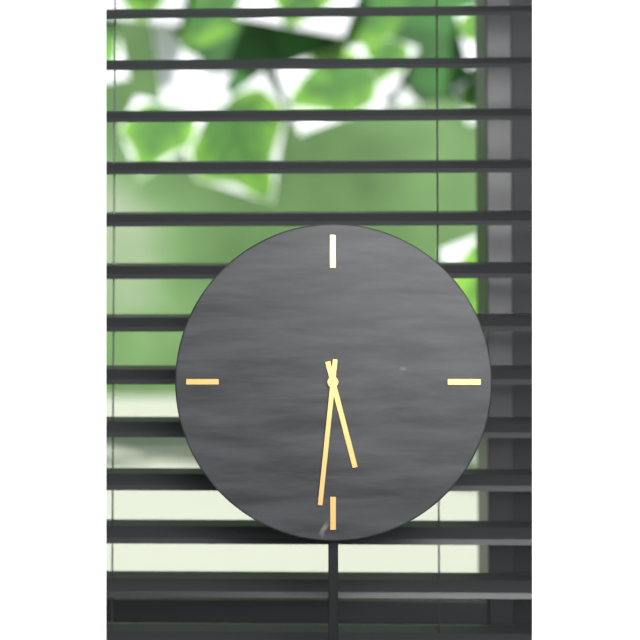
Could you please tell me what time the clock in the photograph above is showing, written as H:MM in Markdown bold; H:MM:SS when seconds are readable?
**5:31**
